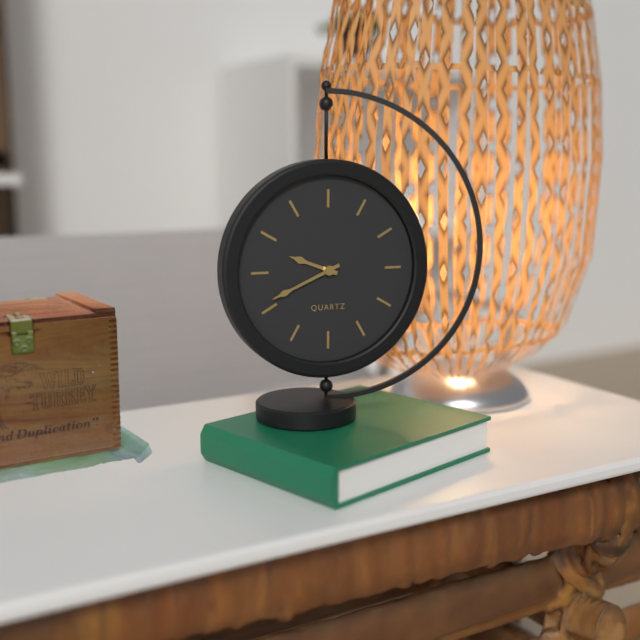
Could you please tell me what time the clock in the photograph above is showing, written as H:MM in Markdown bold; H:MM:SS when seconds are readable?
**9:41**
